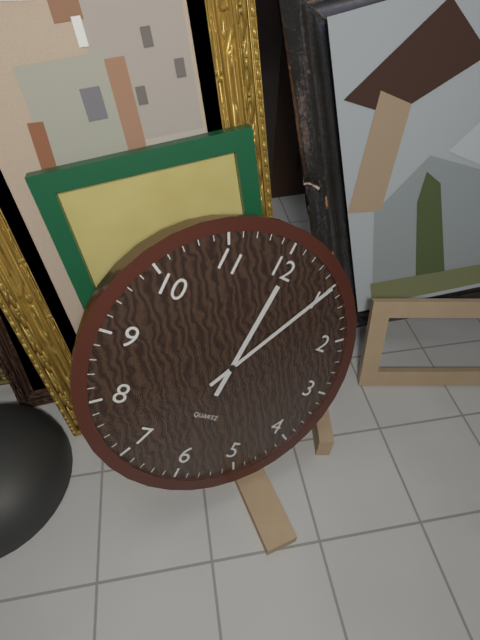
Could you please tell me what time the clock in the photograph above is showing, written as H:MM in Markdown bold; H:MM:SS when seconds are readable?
**12:05**
